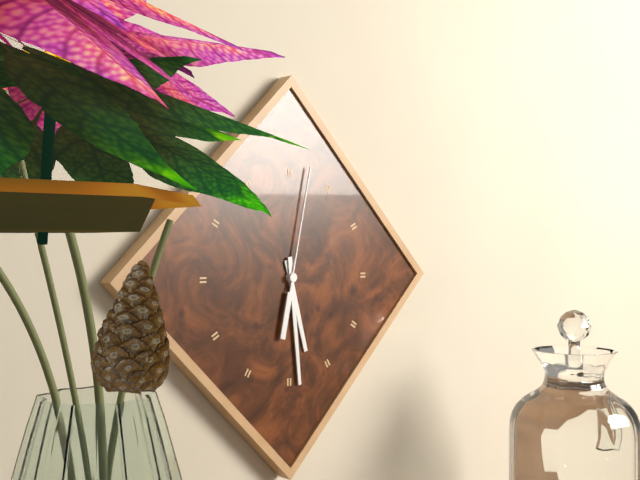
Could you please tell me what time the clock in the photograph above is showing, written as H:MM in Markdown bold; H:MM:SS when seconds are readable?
**5:29:02**
